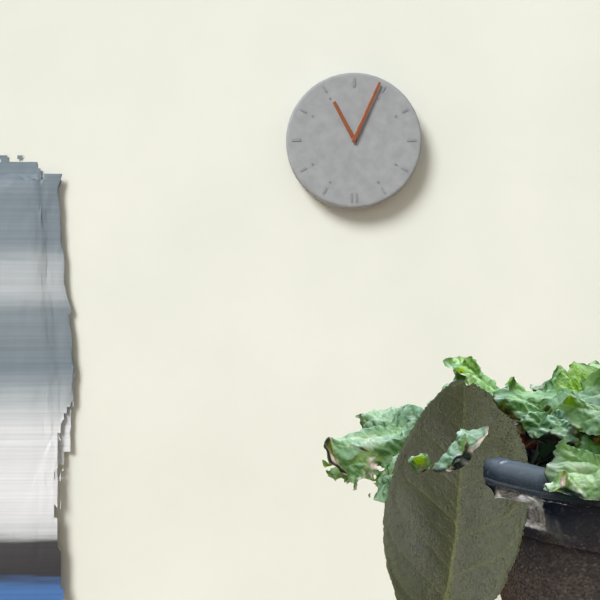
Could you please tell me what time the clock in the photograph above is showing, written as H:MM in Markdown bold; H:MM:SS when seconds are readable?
**11:04**
